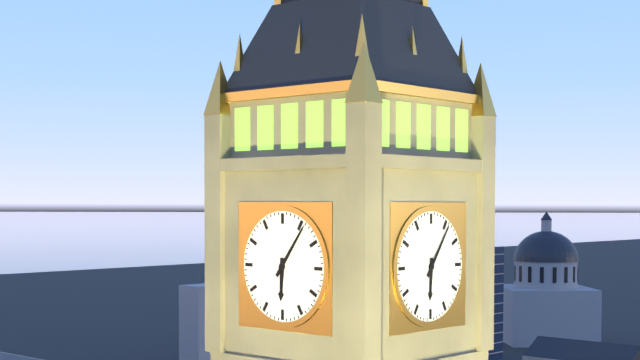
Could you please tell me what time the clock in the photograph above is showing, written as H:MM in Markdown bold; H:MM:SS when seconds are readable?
**6:06**
